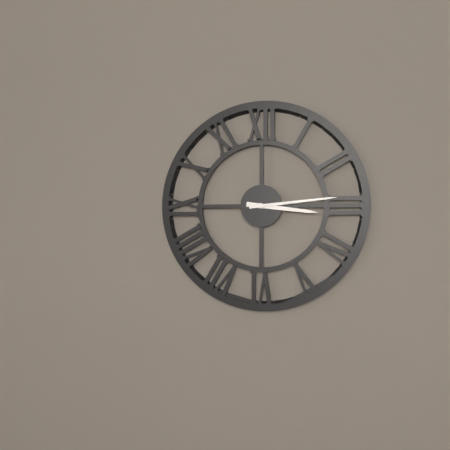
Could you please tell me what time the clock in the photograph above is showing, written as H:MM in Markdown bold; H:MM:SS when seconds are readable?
**3:14**
